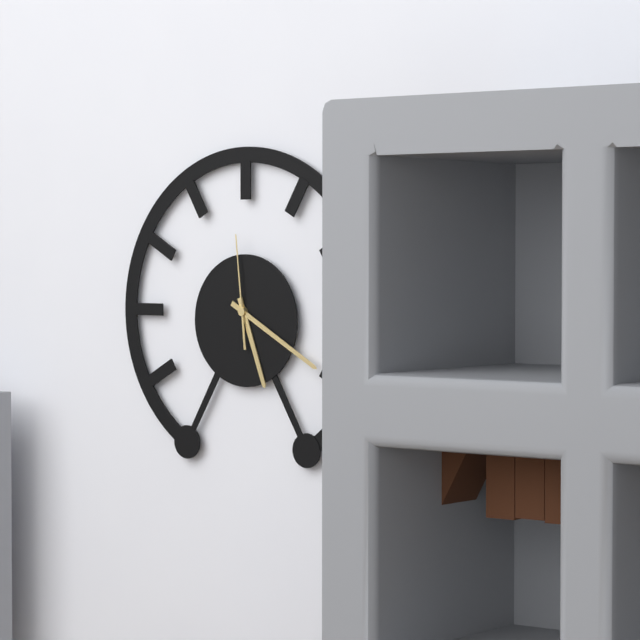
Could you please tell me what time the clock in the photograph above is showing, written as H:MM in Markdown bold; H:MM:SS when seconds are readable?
**5:20:59**
